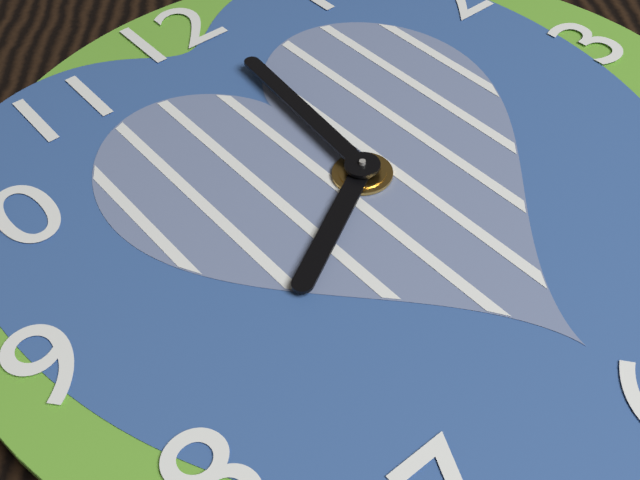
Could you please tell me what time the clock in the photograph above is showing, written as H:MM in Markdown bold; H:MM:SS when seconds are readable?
**8:01**
